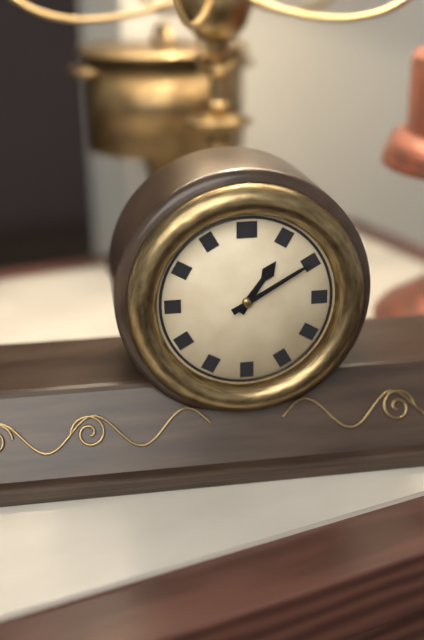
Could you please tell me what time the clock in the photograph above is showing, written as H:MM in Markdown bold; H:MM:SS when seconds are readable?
**1:10**
